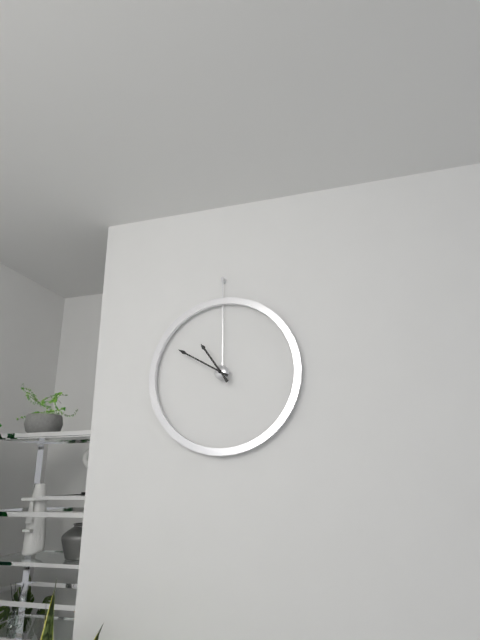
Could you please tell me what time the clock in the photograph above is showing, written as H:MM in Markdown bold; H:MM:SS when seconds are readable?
**10:50**
